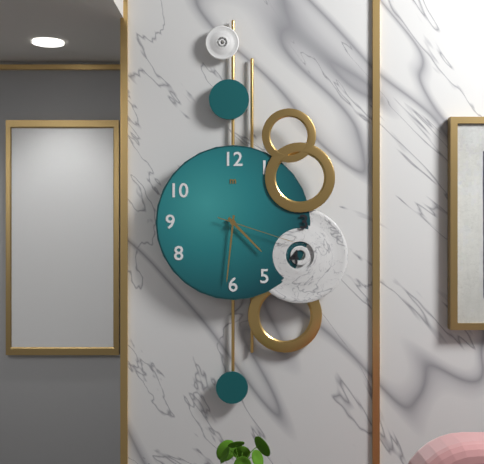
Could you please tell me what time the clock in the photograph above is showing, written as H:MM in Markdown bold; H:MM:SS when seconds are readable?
**4:31:18**
